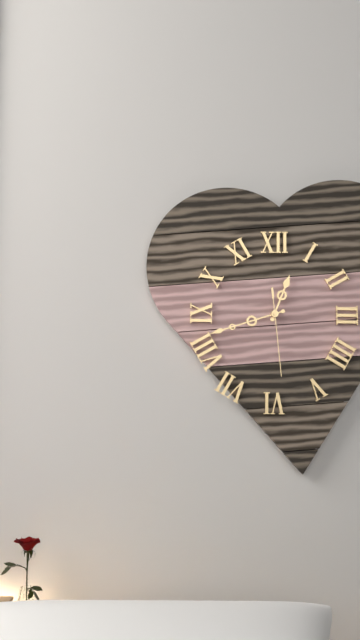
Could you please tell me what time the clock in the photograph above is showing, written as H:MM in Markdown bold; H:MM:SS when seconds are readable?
**12:42:29**
